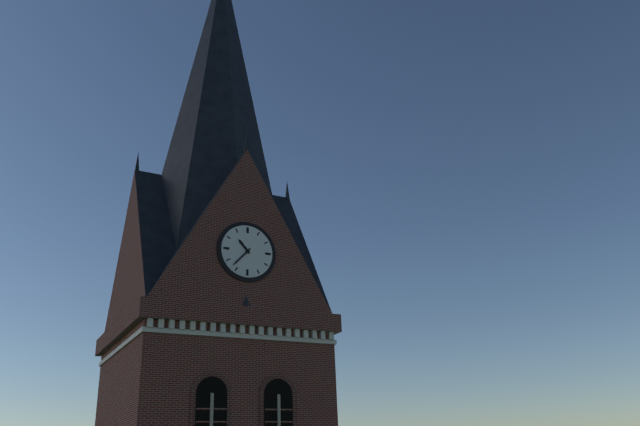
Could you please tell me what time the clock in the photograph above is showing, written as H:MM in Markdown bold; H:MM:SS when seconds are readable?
**10:37**
